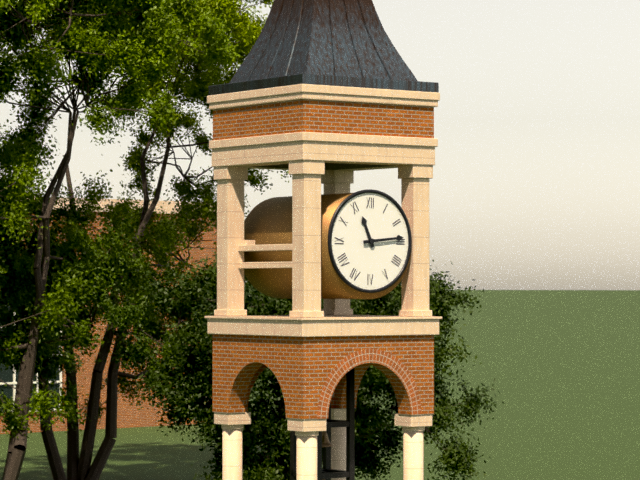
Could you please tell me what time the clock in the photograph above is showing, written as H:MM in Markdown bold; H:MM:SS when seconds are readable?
**11:14**
